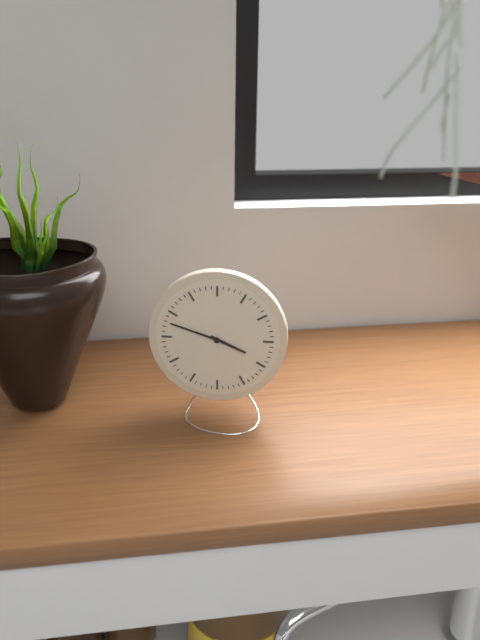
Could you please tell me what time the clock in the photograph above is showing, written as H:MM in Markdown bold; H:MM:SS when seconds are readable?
**3:48**
